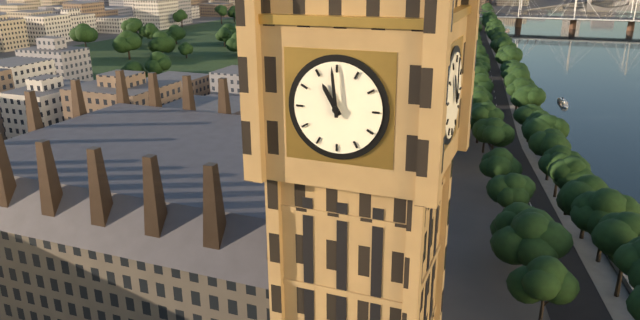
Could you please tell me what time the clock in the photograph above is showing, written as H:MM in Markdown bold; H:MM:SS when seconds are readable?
**10:59**
